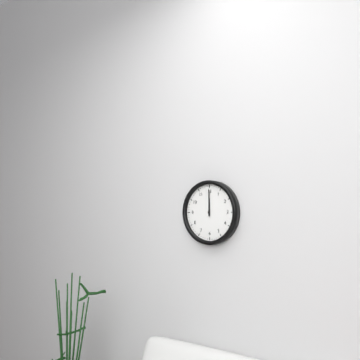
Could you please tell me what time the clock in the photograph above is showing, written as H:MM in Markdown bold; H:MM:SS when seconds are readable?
**12:00**
